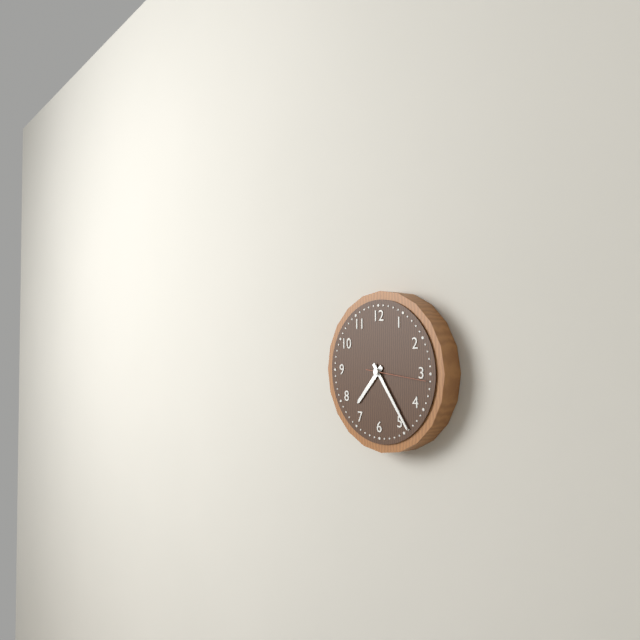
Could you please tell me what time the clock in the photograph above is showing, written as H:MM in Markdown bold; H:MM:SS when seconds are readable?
**7:24:16**
